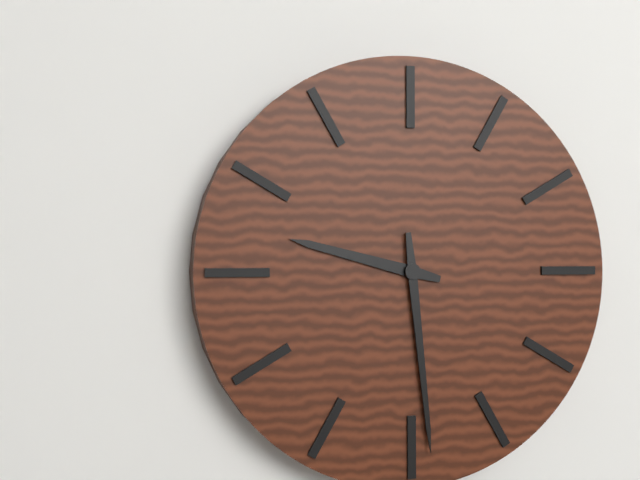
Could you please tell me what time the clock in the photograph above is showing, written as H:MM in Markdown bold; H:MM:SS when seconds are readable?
**9:29**
